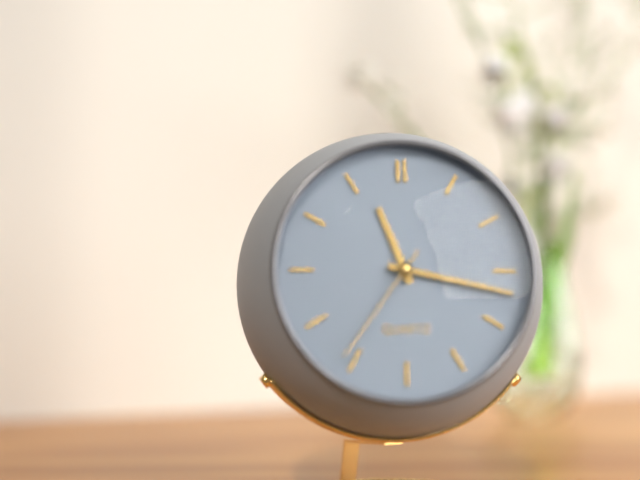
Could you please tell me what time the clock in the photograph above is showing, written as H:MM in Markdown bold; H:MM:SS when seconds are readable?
**11:17:36**
